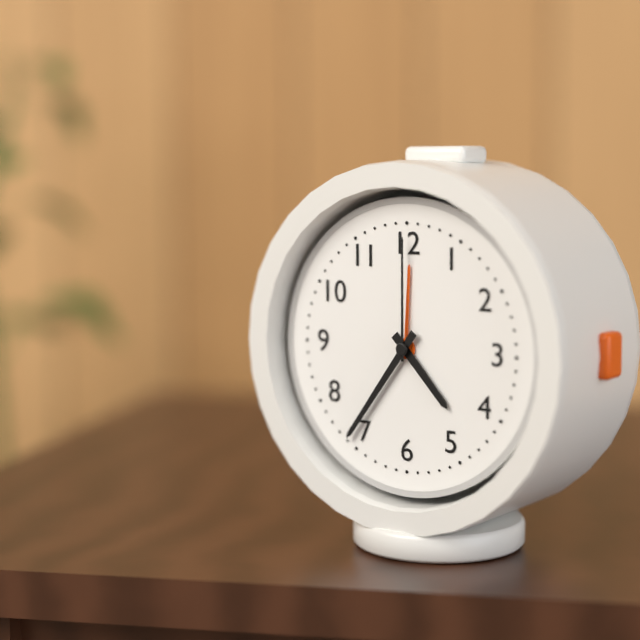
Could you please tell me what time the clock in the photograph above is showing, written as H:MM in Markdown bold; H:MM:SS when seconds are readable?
**4:36:00**
